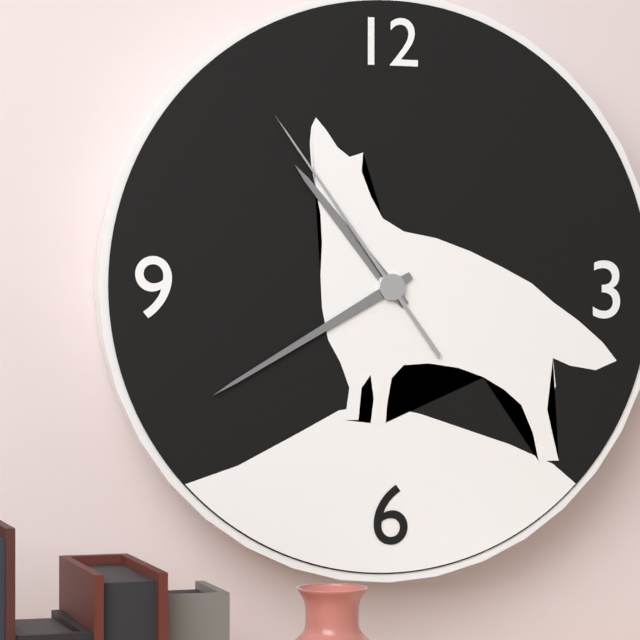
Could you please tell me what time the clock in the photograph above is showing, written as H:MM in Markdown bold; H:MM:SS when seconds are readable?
**10:40:54**
